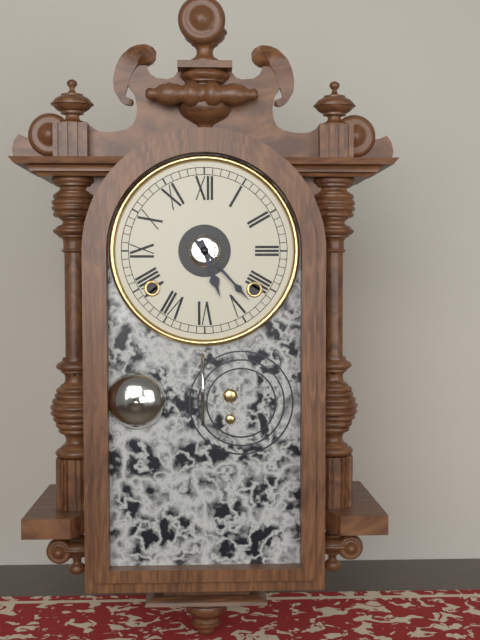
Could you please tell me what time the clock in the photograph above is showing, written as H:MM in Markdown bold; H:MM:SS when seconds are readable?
**5:23**
